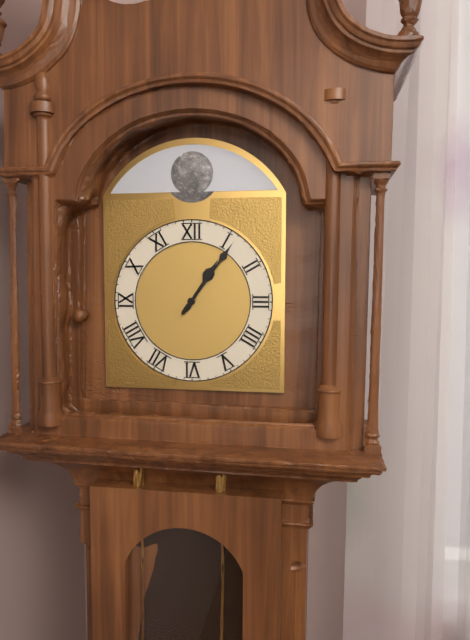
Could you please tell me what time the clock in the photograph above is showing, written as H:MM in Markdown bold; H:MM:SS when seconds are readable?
**1:06**
